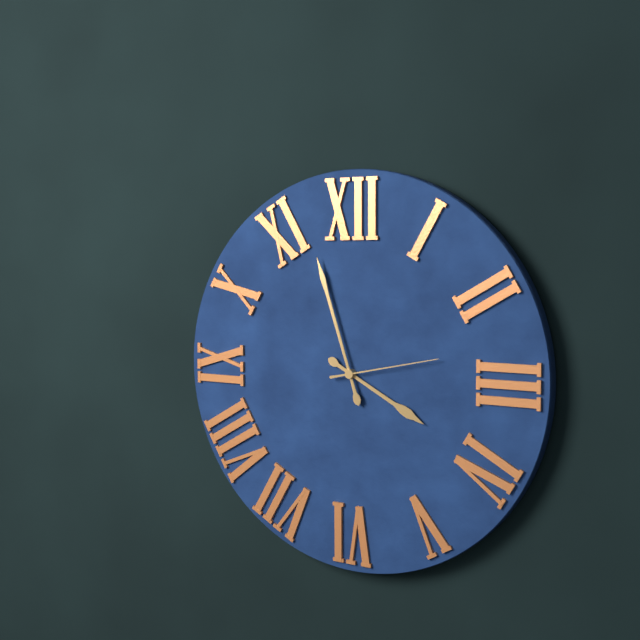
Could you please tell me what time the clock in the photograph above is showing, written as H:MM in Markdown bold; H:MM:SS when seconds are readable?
**3:57:13**
